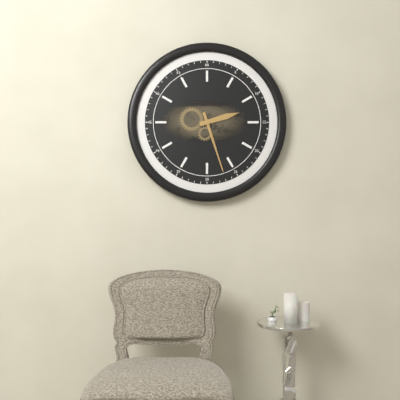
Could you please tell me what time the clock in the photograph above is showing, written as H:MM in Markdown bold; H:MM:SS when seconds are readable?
**2:27**
